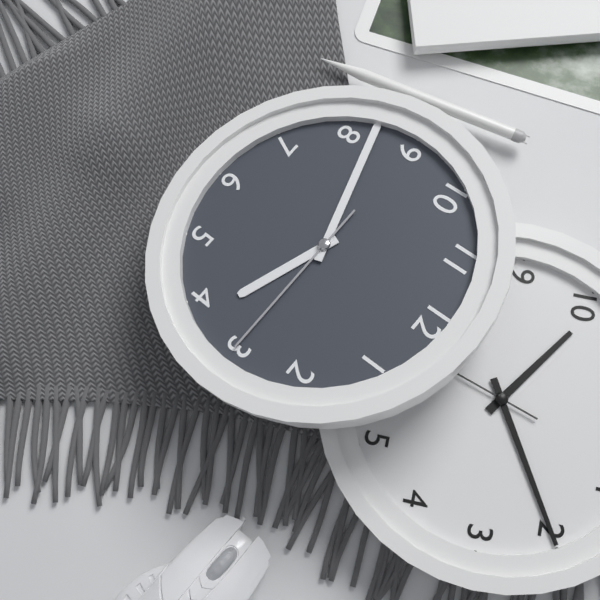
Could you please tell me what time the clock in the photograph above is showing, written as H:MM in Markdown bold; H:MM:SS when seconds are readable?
**3:42:15**
